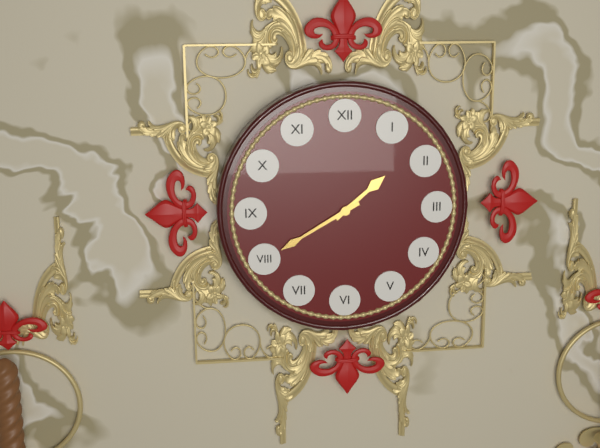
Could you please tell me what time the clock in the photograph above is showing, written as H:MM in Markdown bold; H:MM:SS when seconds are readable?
**1:40**
